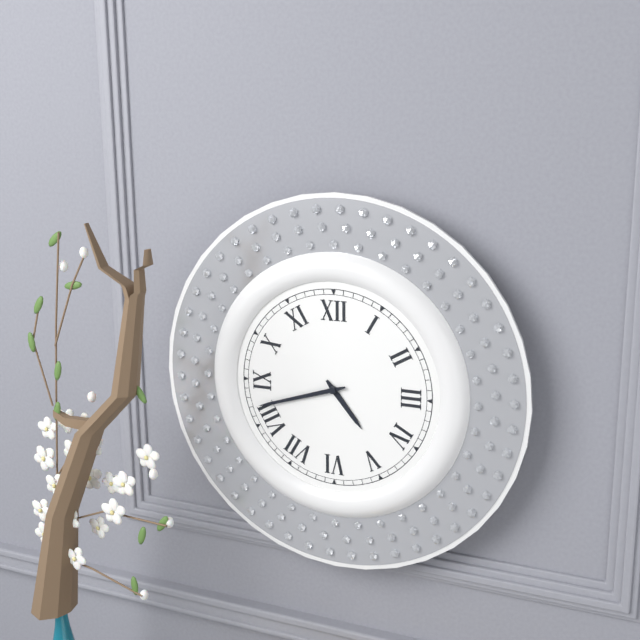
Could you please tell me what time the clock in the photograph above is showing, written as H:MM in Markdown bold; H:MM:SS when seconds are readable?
**4:42**
